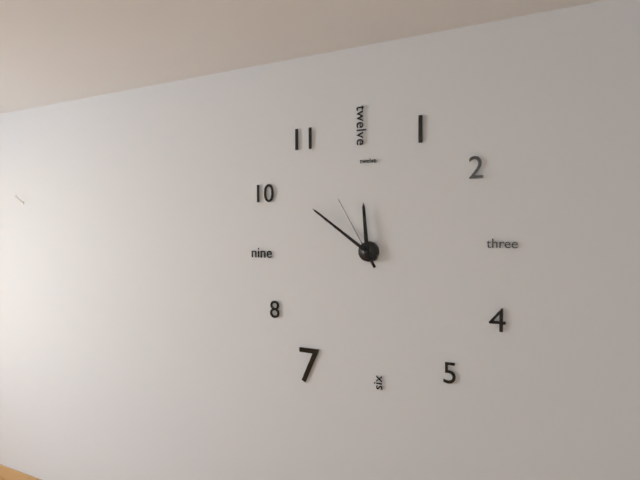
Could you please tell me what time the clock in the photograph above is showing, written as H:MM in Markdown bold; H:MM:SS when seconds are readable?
**11:51:55**
